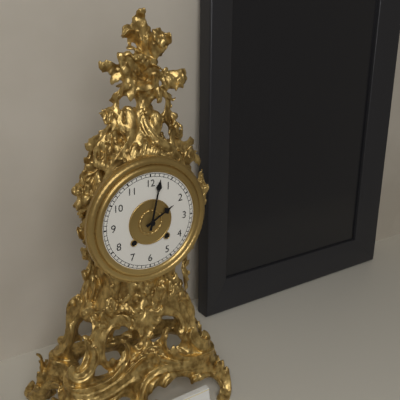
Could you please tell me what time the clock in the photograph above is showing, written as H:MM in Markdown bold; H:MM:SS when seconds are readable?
**2:02**
